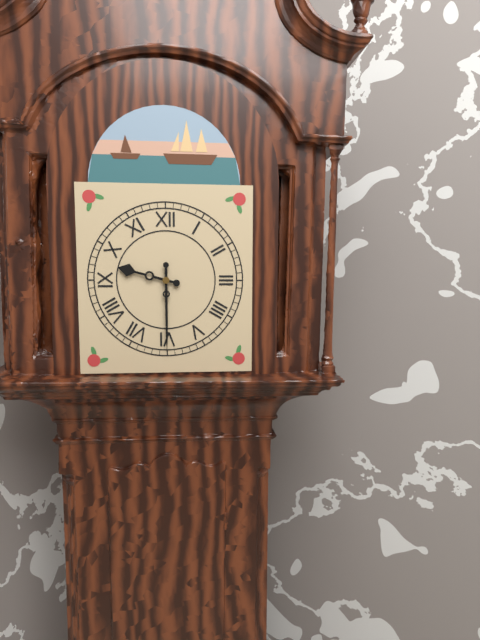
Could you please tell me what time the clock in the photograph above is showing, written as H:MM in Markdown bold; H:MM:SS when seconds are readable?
**9:30**
